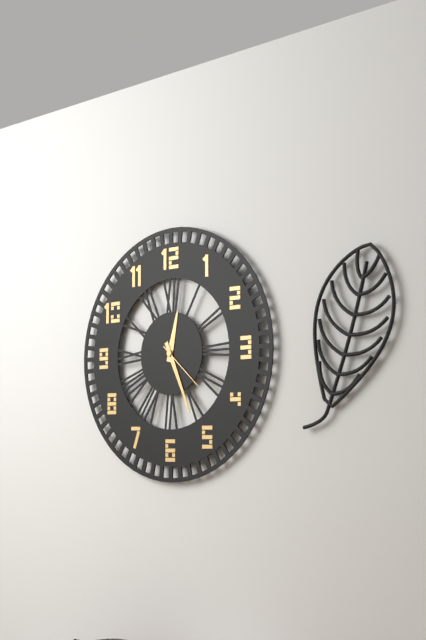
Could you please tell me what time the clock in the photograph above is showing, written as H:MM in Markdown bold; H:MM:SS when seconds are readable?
**12:26:22**
